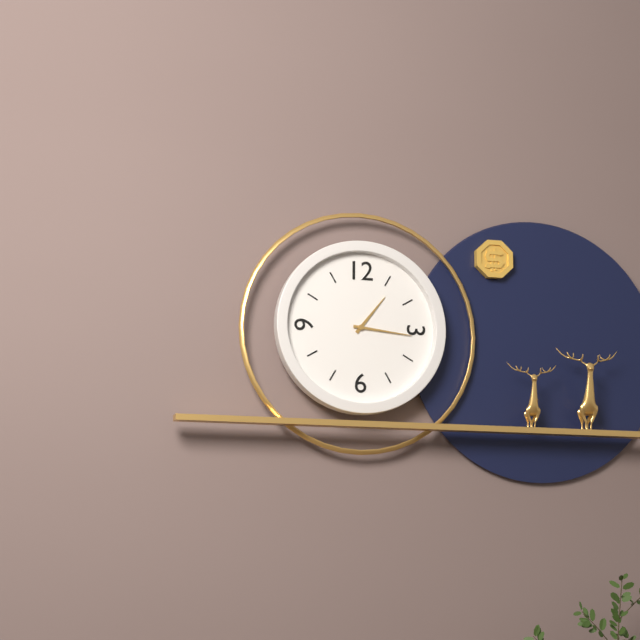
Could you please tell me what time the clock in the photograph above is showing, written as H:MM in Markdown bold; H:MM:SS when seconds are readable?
**1:16**
